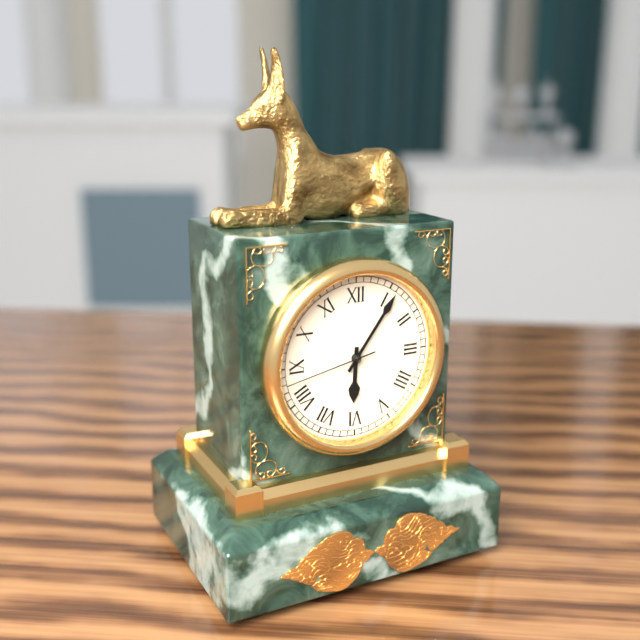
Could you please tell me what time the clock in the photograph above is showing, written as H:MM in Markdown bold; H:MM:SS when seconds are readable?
**6:06:43**
